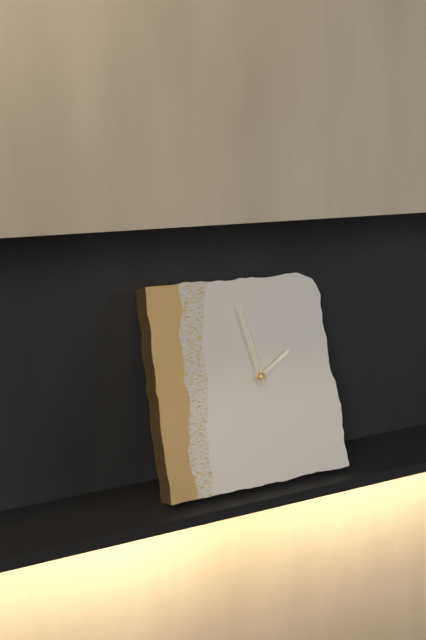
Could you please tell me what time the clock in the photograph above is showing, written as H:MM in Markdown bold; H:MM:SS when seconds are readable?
**1:58**
